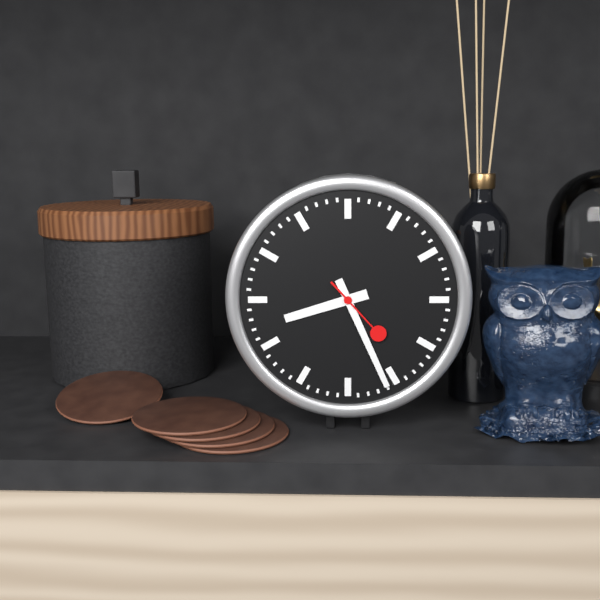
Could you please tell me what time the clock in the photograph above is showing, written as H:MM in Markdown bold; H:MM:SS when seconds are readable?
**8:26:23**
